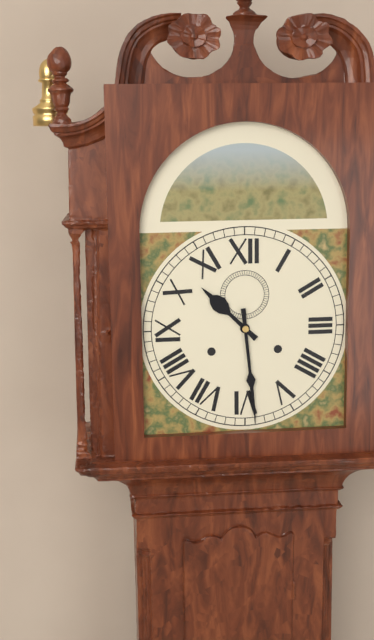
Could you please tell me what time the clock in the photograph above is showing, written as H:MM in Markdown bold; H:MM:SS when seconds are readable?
**10:29**
